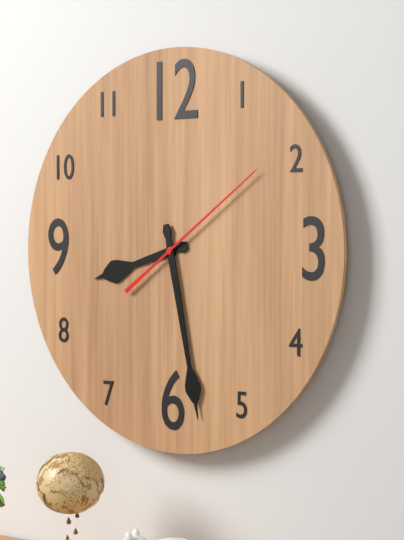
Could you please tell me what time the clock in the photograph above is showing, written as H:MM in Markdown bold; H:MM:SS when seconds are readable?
**8:28:09**
